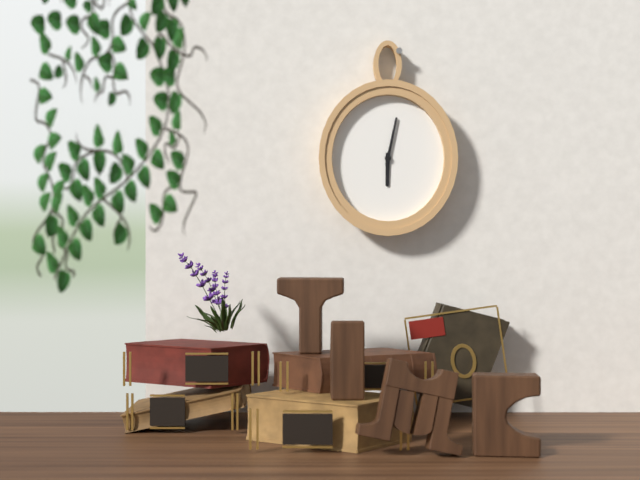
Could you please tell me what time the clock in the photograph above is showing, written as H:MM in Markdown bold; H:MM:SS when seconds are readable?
**6:02**
